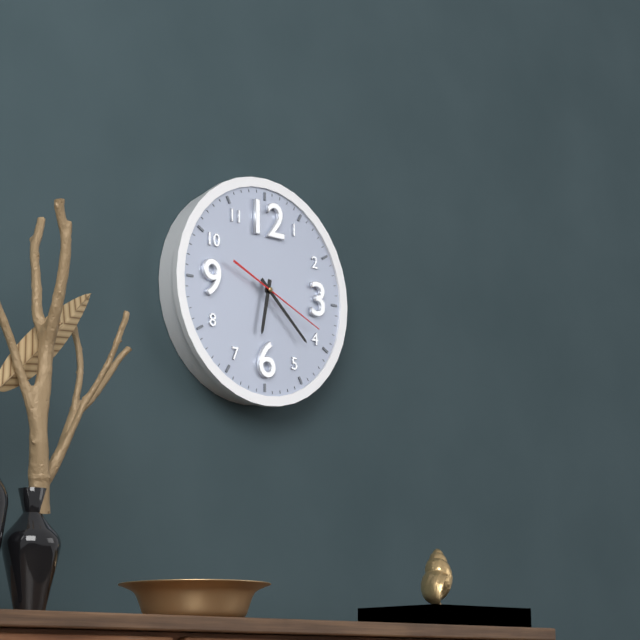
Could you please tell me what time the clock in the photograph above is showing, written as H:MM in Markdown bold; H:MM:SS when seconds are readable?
**6:22:19**
